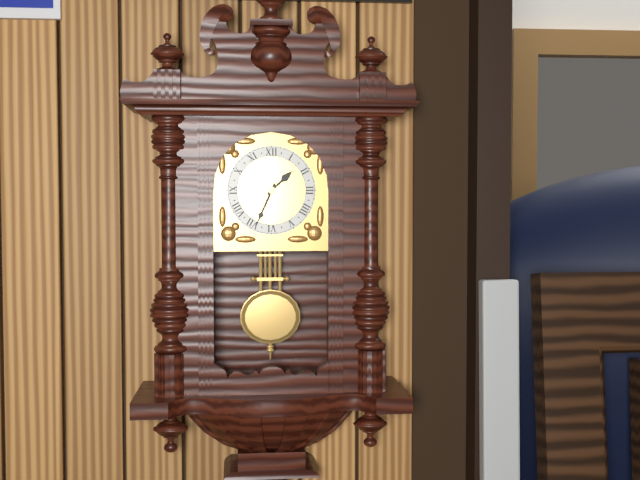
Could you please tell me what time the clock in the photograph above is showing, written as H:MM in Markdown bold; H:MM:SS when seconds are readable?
**1:34**
